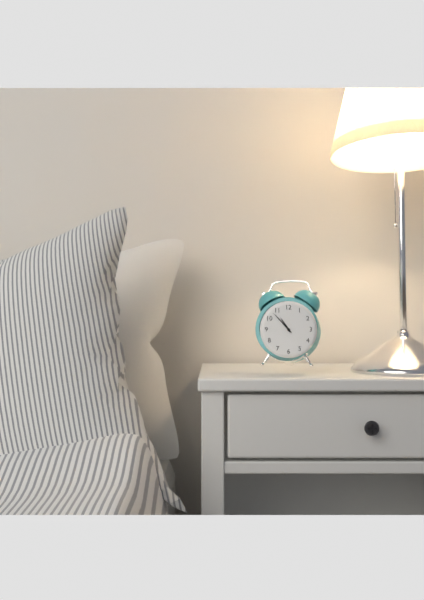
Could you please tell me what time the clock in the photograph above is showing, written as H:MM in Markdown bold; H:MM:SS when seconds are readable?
**10:53**
